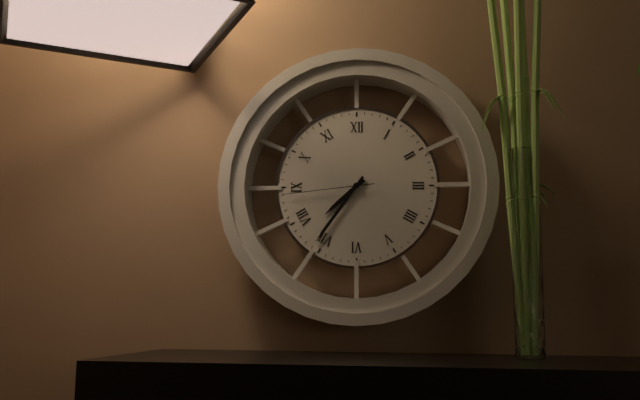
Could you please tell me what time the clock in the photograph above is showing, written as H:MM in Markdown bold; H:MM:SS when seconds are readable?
**7:36:44**
